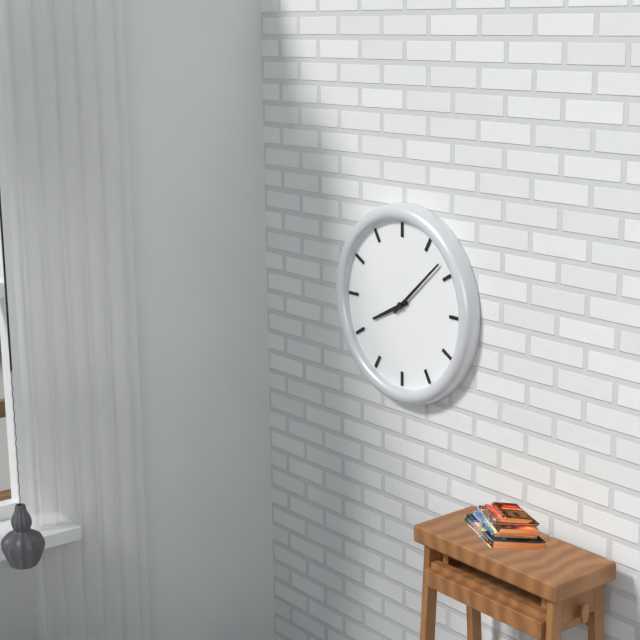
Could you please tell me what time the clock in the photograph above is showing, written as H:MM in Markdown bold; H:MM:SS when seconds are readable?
**8:08**
